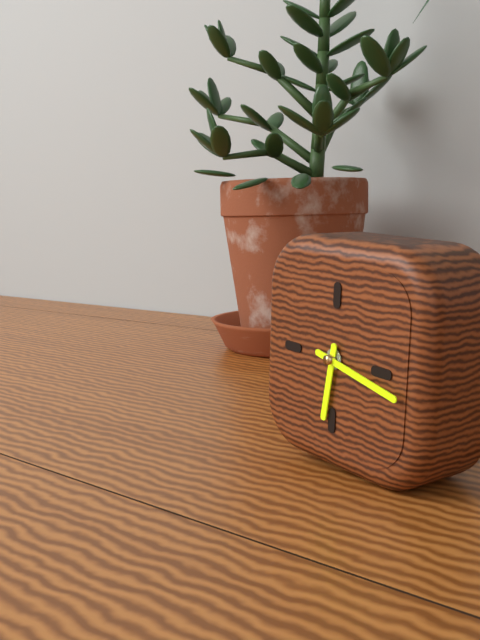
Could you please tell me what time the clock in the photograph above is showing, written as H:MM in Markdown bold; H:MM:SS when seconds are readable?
**6:17**
